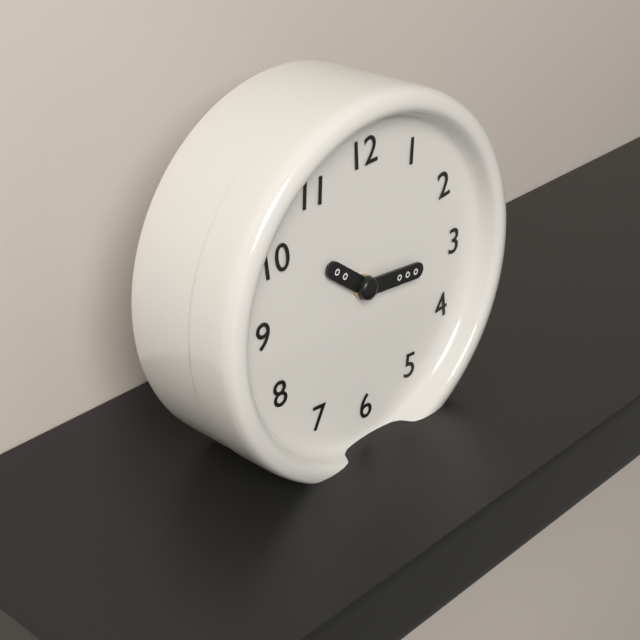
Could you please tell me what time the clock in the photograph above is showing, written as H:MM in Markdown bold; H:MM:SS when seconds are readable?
**10:16**
